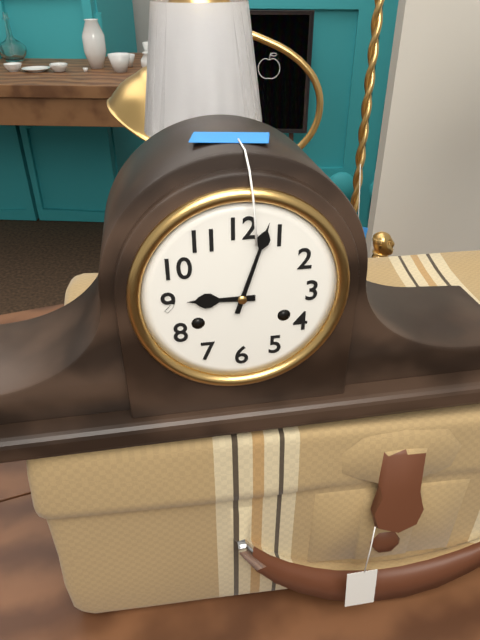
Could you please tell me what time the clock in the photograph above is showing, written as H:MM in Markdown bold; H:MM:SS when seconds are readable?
**9:03**
